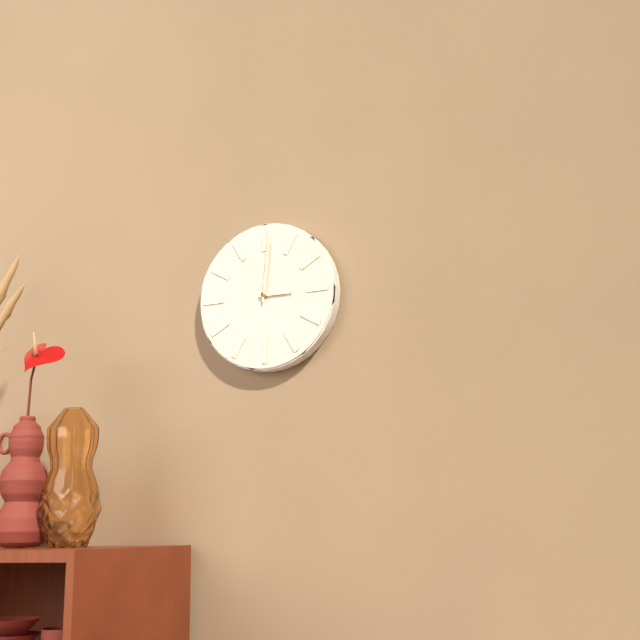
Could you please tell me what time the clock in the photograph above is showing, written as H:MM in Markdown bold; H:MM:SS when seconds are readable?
**3:01**
